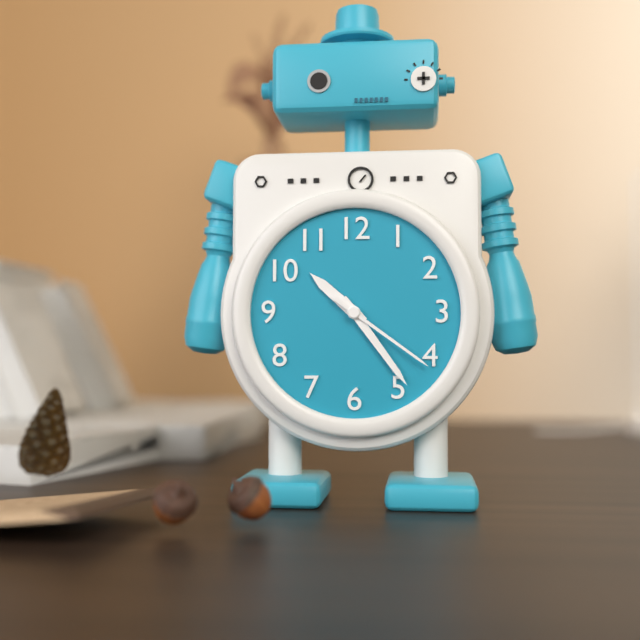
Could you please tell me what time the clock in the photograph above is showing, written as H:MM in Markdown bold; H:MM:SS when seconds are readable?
**10:24:21**
